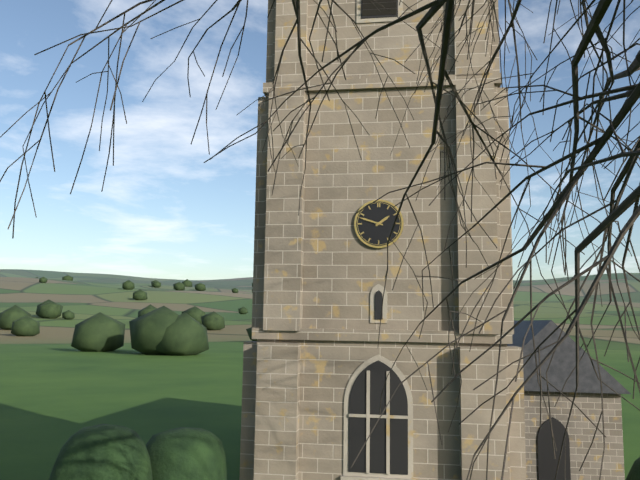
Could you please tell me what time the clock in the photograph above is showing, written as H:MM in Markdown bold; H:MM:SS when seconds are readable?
**1:48**
